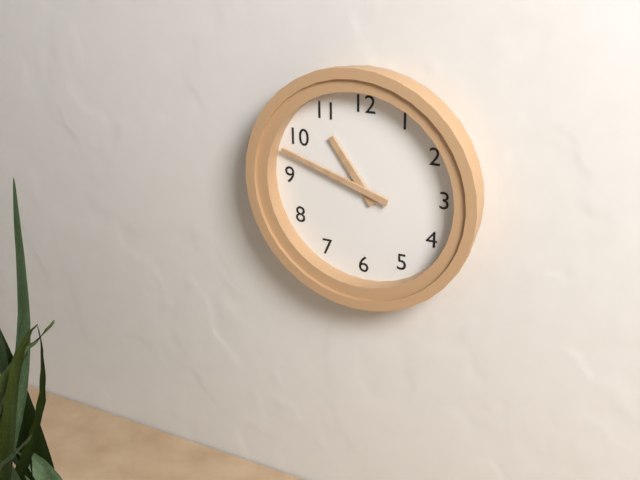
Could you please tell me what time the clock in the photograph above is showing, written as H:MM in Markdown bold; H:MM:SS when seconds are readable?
**10:48**
